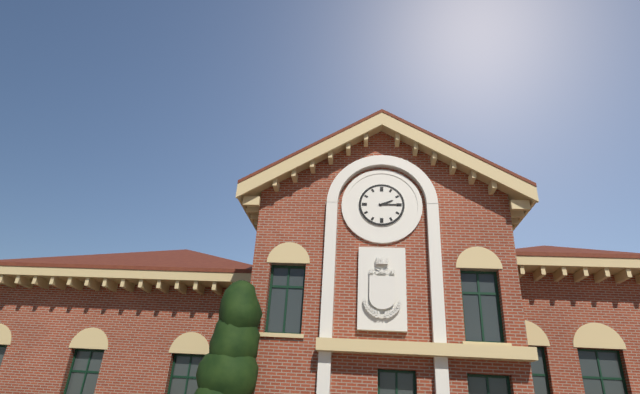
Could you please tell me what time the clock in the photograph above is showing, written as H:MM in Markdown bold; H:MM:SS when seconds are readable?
**2:15**
